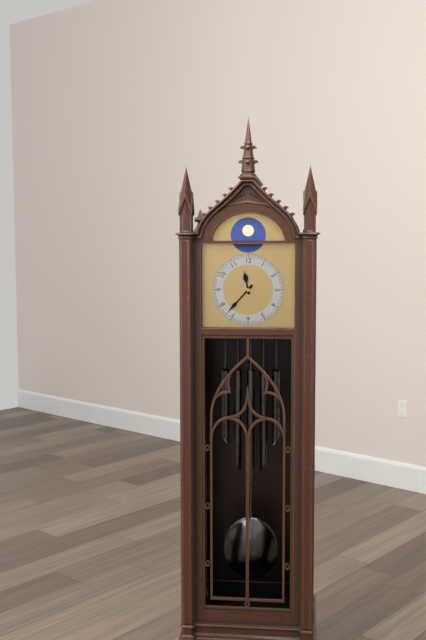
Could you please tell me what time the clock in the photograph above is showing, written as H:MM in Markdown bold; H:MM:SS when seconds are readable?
**11:37**
